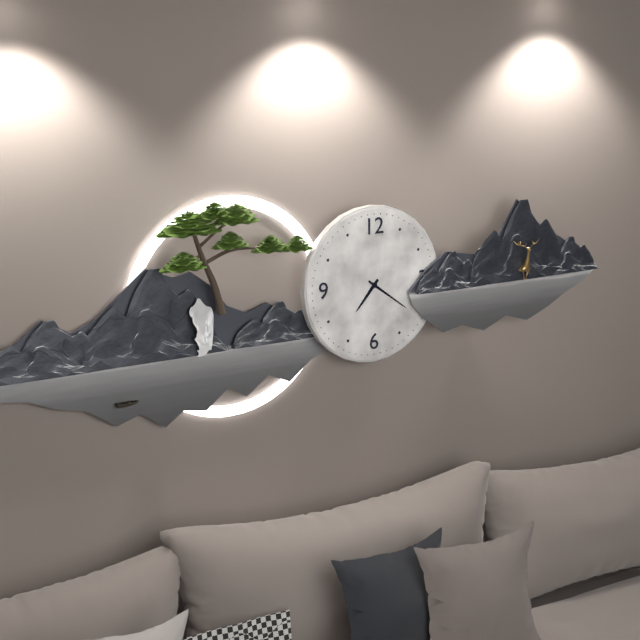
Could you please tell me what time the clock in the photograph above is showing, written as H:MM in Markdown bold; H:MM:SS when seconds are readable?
**7:21**
